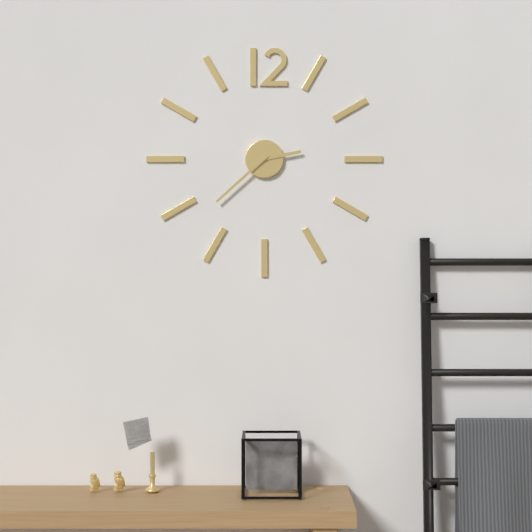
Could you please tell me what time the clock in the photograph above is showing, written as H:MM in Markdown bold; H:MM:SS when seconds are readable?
**2:38**
